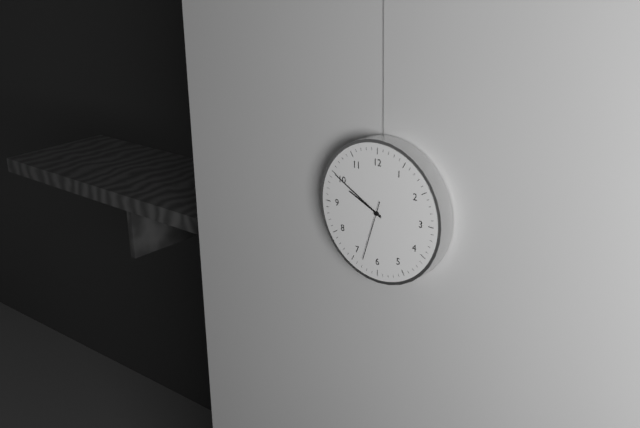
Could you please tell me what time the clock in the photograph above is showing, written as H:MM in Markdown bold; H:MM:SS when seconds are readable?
**9:50:33**
